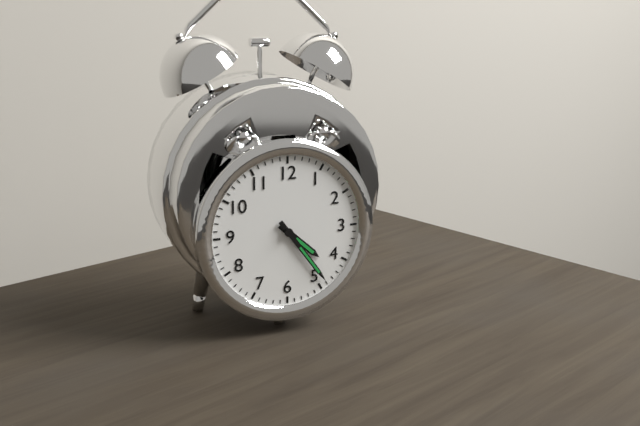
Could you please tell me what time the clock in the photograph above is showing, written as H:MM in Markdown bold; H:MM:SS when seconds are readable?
**4:24**
